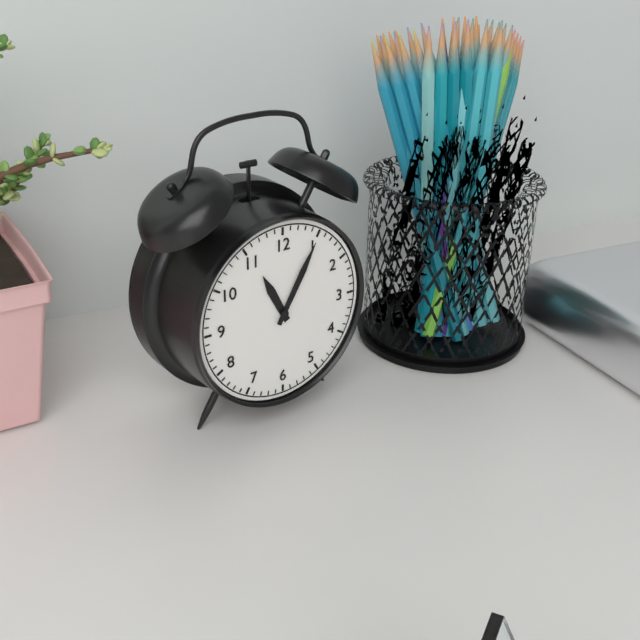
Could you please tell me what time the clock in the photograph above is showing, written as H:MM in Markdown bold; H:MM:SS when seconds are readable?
**11:05**
